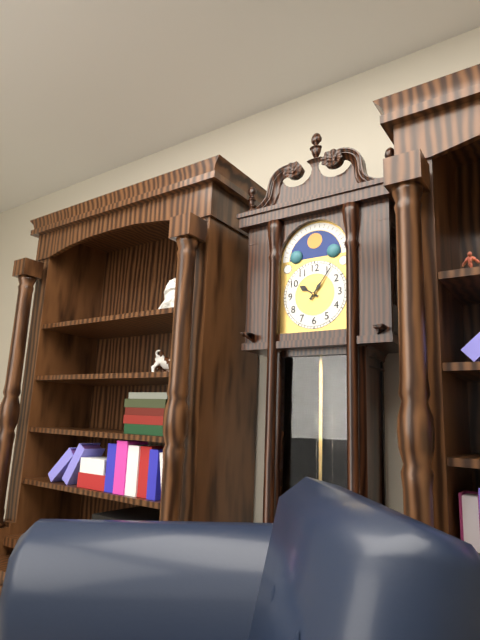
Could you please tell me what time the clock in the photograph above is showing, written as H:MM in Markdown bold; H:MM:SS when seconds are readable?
**10:06**
